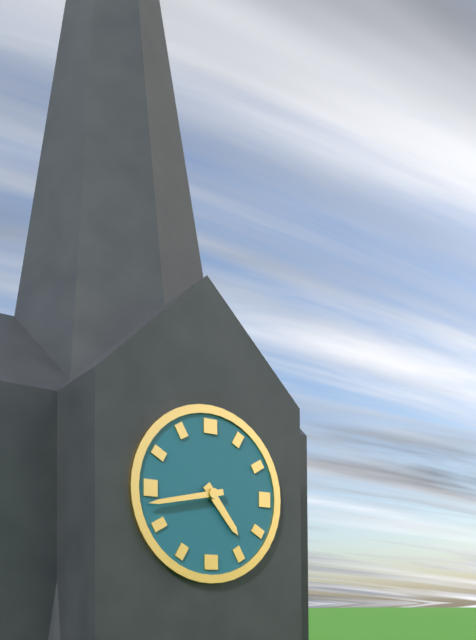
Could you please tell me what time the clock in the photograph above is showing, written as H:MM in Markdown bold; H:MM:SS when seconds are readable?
**4:43**
